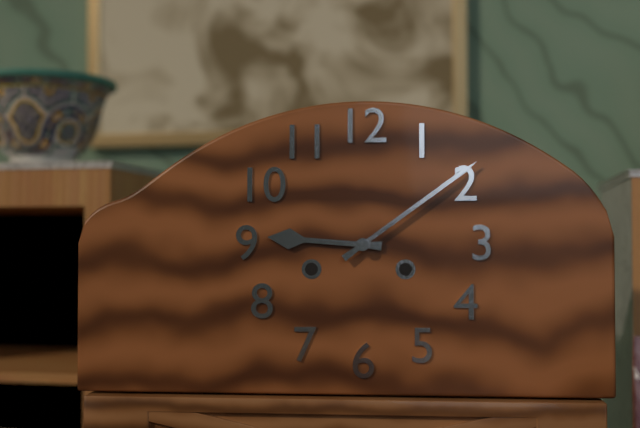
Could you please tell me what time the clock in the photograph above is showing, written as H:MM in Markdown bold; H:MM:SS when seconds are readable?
**9:09**
